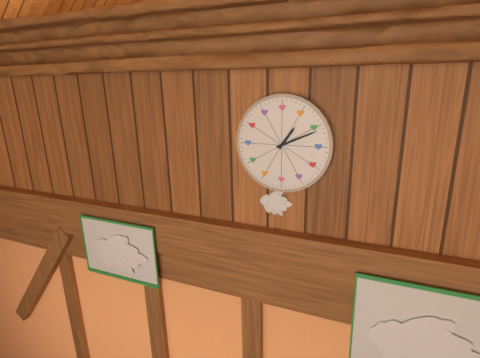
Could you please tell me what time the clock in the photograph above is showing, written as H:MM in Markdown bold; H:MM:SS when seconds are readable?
**1:11**
